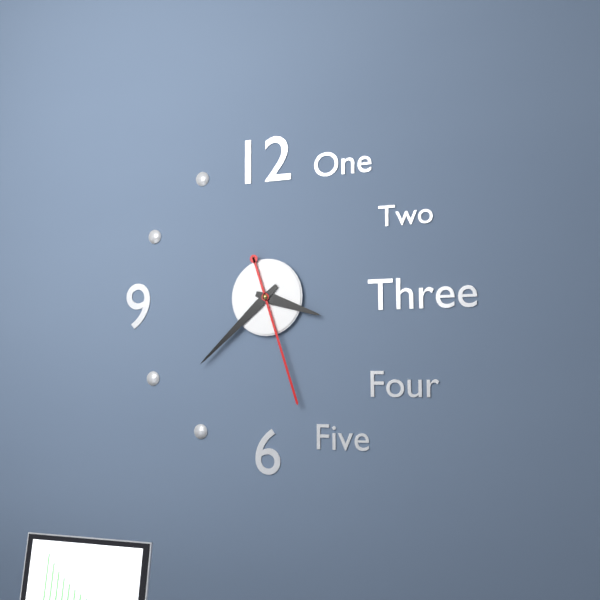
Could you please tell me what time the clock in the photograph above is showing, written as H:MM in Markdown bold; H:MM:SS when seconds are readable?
**3:38:27**
